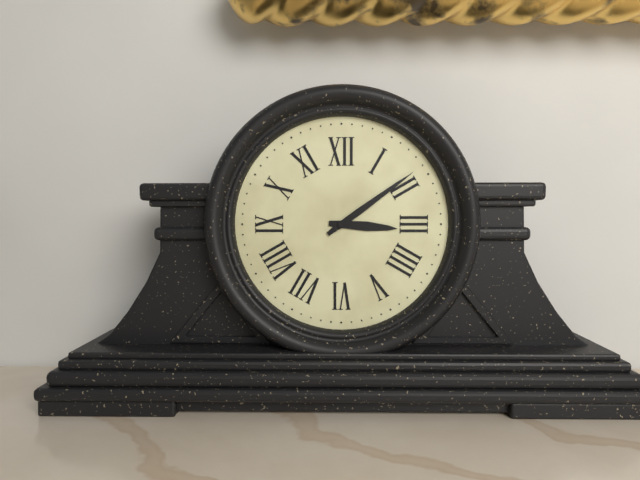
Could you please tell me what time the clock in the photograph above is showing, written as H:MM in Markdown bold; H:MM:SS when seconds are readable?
**3:09**
